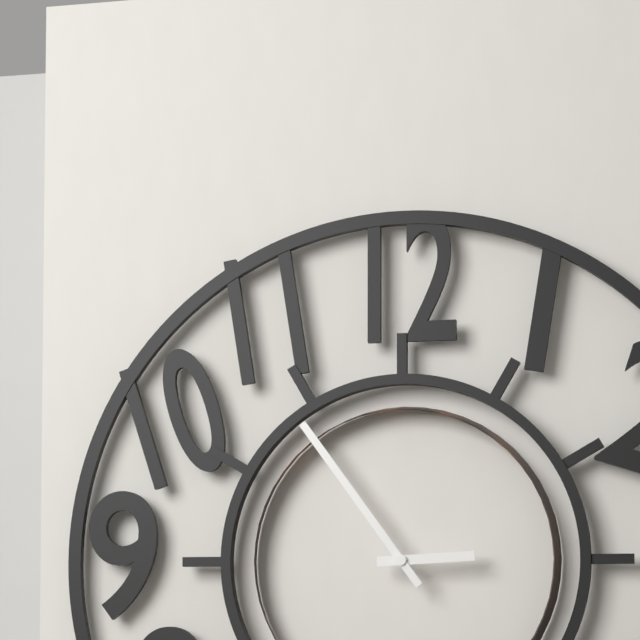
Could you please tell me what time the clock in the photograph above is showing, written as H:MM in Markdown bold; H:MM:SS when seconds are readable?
**2:54**
